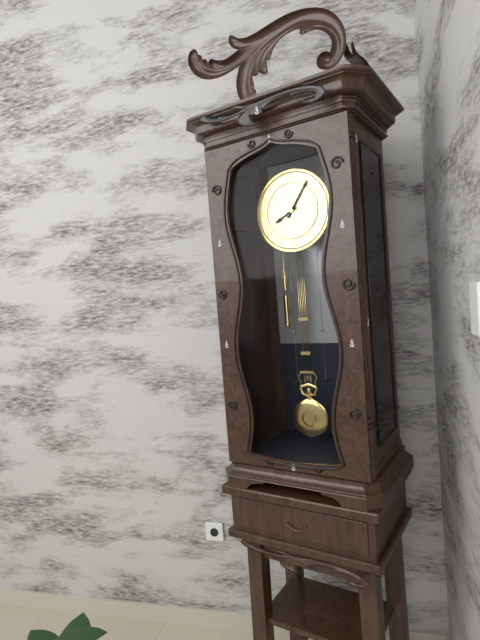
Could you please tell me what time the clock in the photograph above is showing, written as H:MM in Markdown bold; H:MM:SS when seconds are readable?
**8:06**
